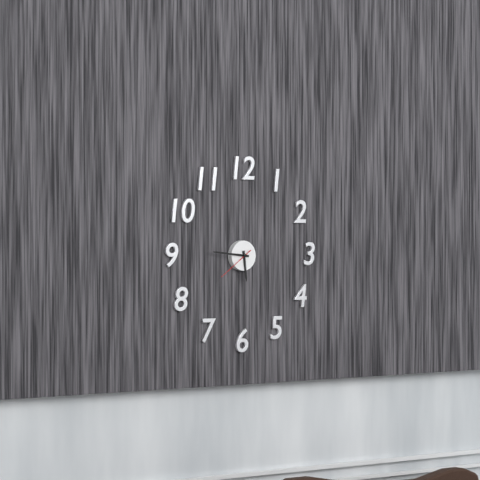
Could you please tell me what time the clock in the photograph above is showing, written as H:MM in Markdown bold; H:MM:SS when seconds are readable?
**5:46**
